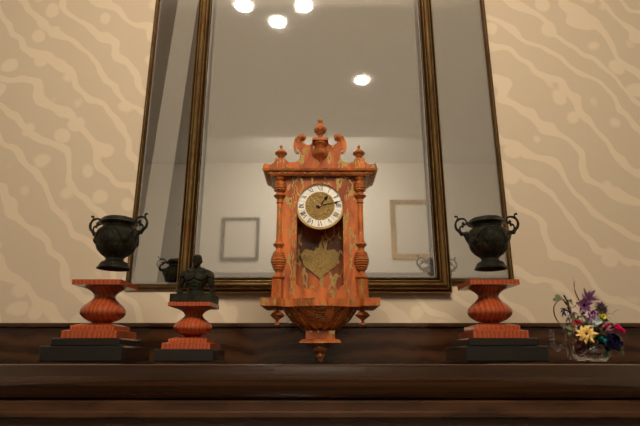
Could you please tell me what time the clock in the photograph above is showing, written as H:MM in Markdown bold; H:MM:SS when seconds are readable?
**1:13**
